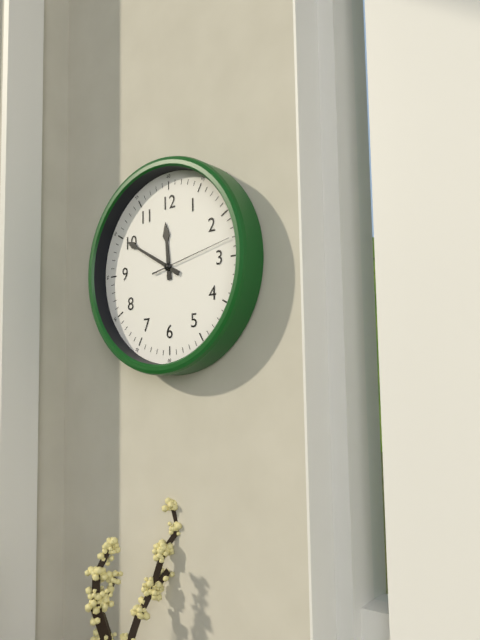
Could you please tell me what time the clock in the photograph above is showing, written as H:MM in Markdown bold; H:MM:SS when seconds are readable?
**11:50:13**
